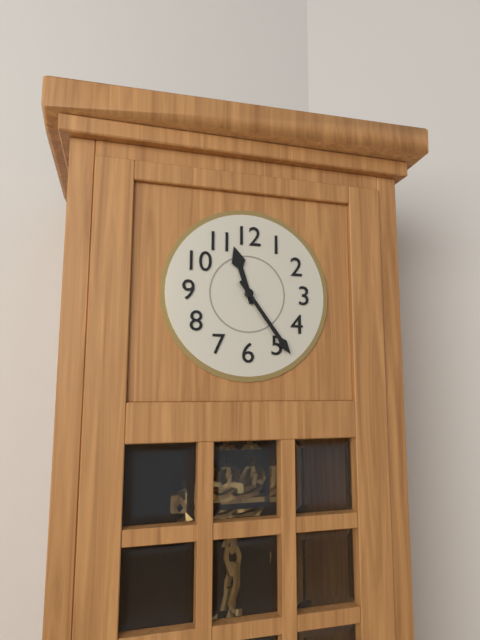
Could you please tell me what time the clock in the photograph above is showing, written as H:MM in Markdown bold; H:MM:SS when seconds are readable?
**11:24**
